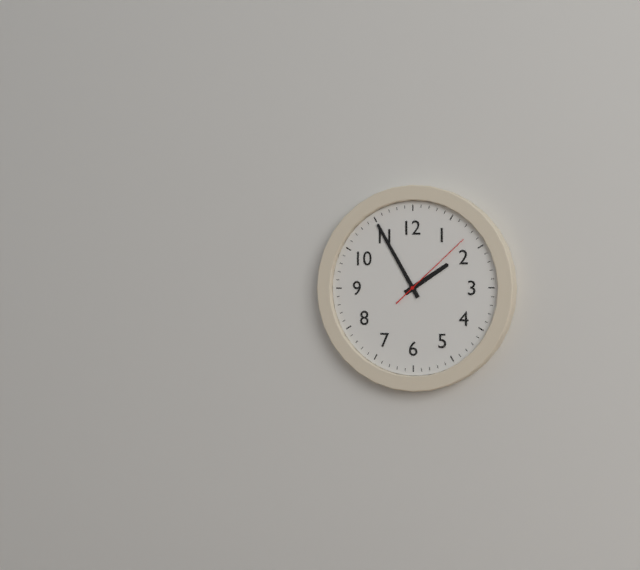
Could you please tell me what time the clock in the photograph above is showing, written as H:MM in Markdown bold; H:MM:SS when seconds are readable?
**1:55:08**
